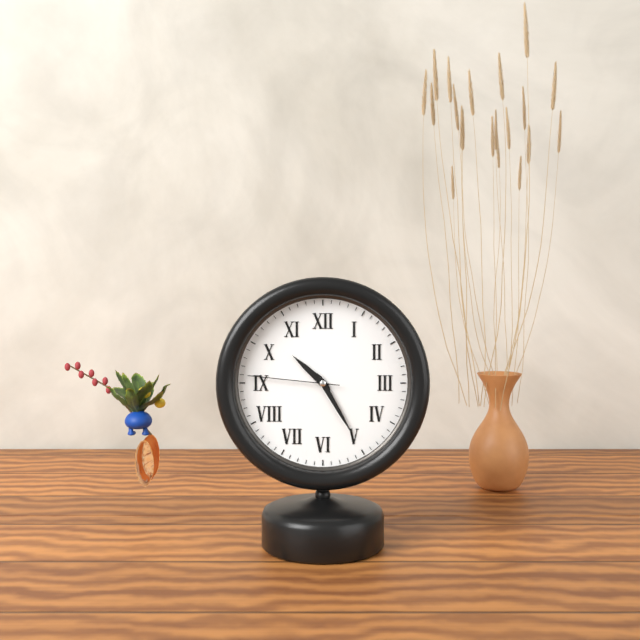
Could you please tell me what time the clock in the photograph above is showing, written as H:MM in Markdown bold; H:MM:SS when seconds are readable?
**10:25:46**
